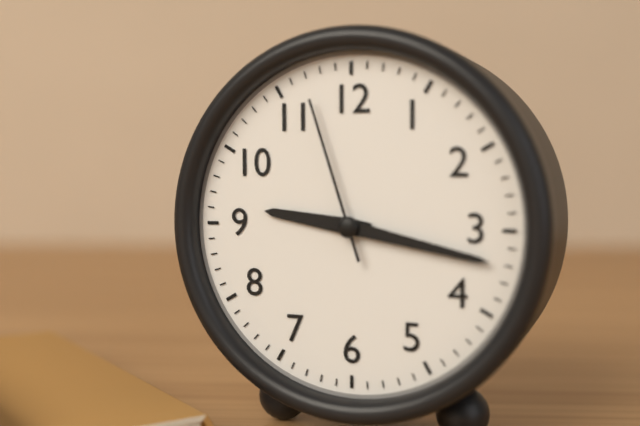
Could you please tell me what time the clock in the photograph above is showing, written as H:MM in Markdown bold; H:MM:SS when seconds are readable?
**9:17:57**
